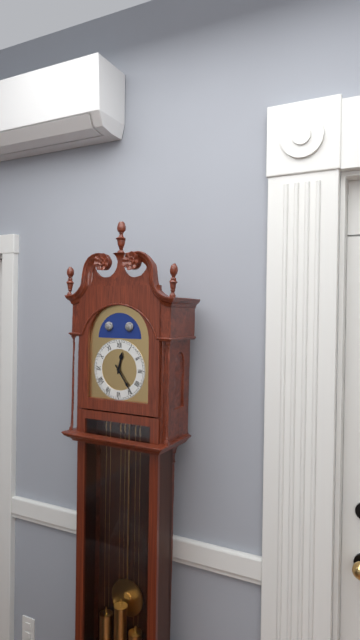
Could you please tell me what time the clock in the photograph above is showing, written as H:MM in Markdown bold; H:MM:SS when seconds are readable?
**12:24**
